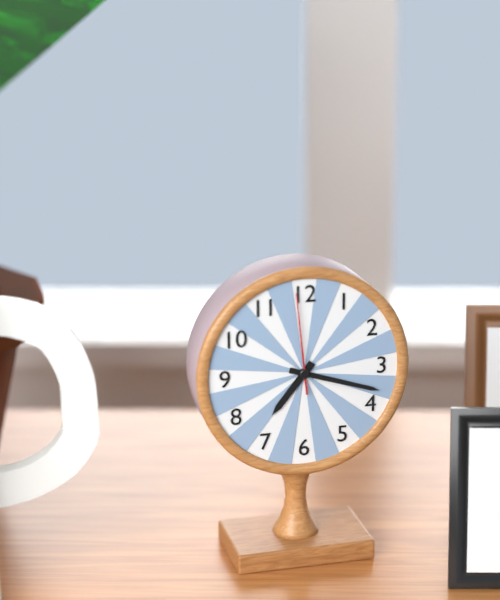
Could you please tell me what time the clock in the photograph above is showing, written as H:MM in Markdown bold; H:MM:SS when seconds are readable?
**7:18:59**
